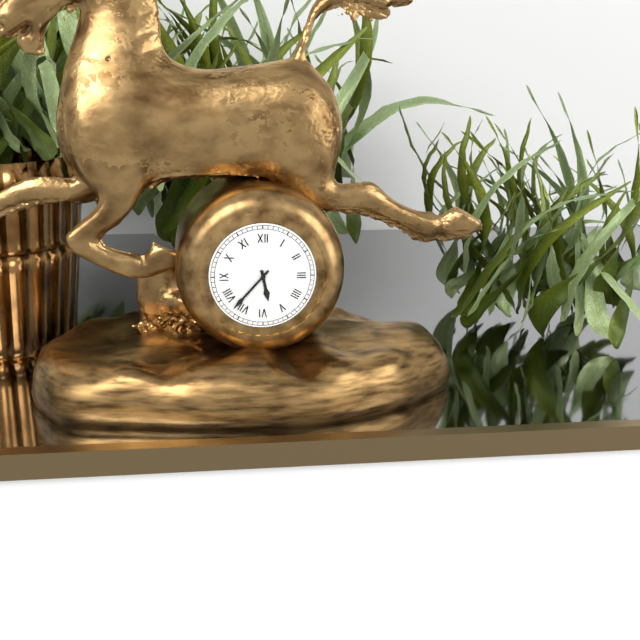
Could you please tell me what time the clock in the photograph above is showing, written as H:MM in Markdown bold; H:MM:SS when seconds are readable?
**5:37**
